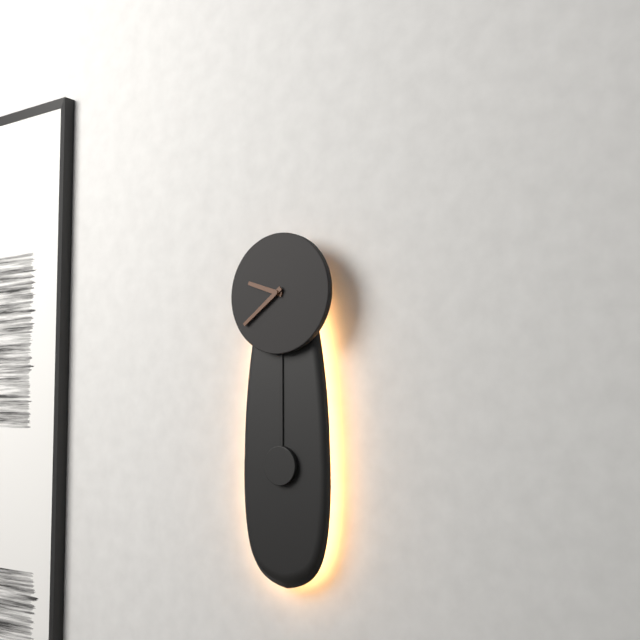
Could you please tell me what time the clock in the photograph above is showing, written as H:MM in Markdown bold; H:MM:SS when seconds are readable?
**9:39**
